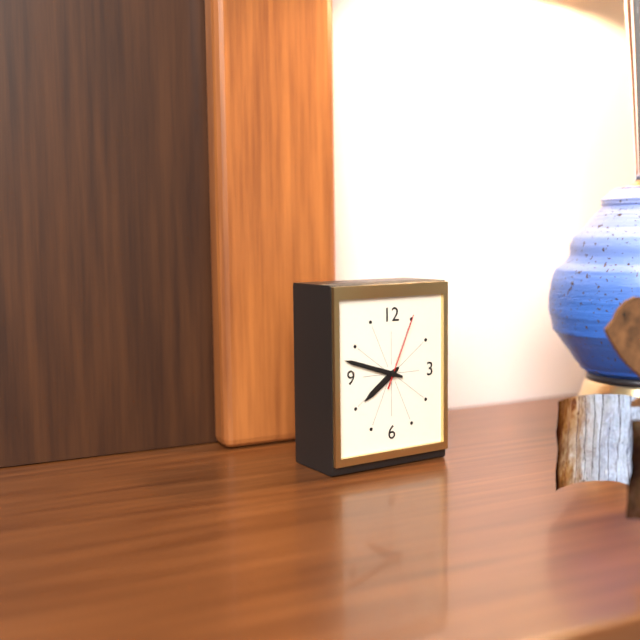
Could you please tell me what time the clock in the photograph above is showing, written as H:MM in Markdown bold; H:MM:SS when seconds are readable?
**7:48:04**
